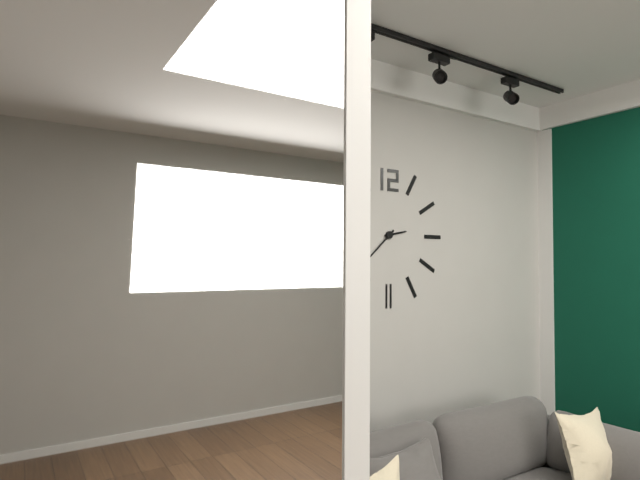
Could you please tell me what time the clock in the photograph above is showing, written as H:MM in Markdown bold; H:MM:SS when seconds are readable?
**2:38**
